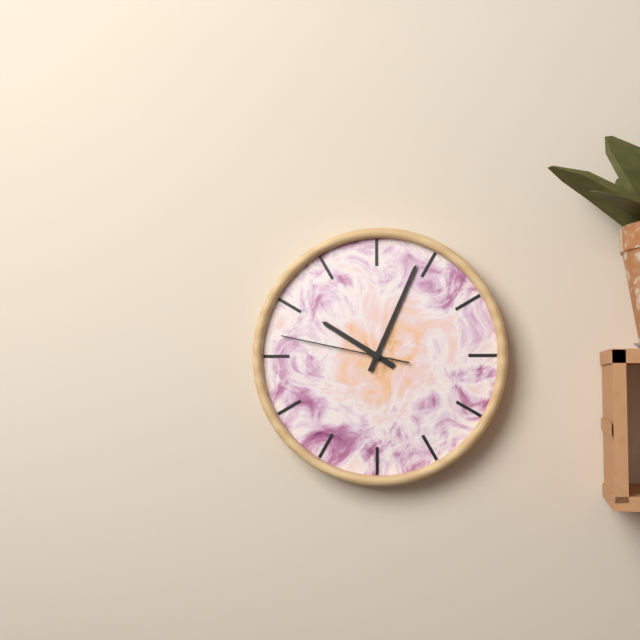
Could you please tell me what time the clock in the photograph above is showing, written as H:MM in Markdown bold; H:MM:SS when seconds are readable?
**10:04:47**
